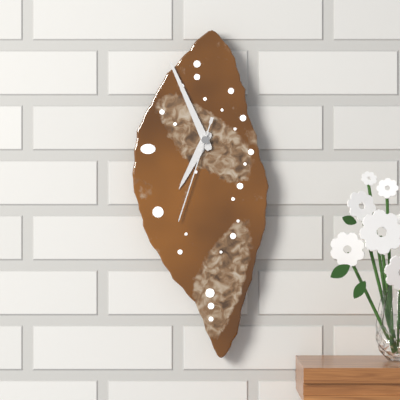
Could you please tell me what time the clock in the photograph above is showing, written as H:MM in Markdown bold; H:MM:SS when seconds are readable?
**6:56:33**
